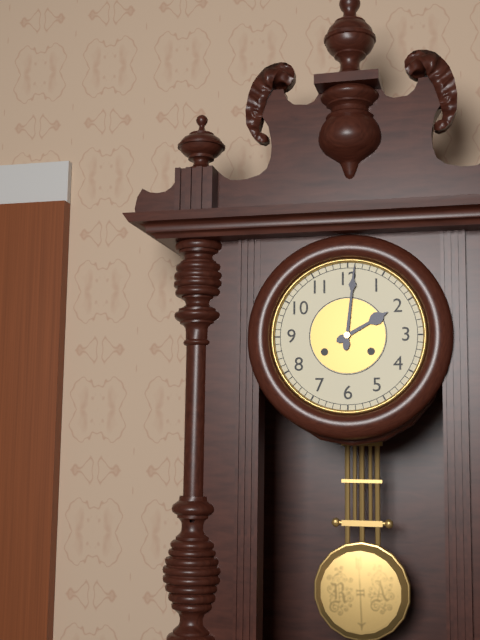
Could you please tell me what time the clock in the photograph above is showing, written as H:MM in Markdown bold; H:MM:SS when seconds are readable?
**2:01**
